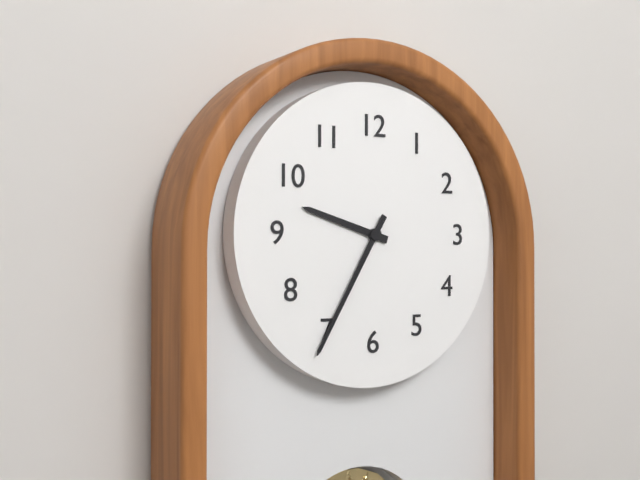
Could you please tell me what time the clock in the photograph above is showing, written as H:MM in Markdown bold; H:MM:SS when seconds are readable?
**9:35**
